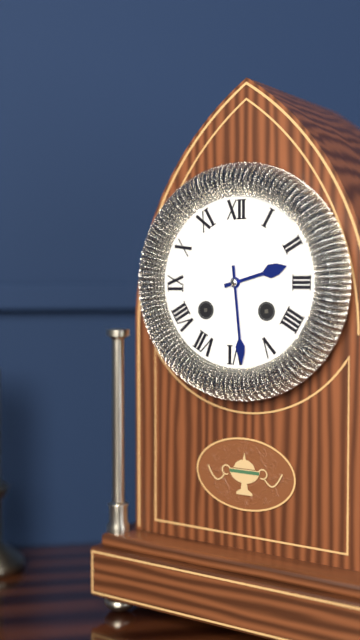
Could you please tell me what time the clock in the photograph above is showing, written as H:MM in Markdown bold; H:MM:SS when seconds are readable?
**2:29**
